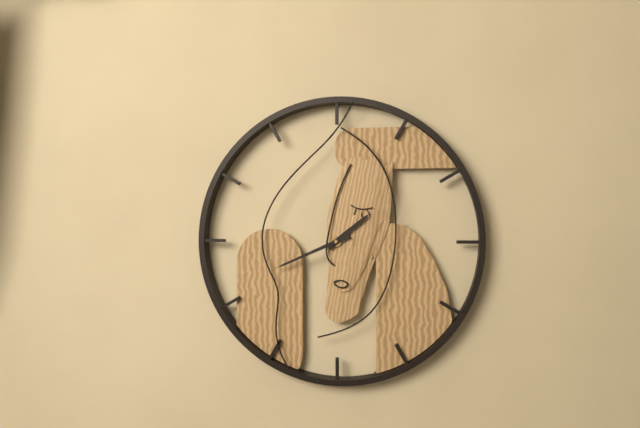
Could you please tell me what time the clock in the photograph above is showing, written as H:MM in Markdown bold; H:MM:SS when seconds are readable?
**1:41**
